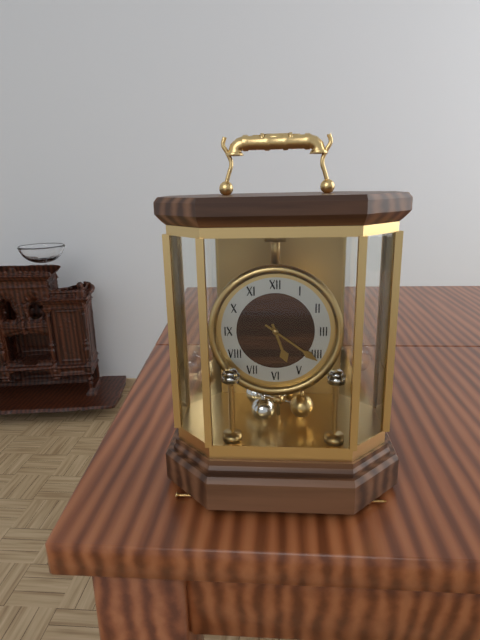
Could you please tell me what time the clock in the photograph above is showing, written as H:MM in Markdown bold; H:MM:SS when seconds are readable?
**5:21**
